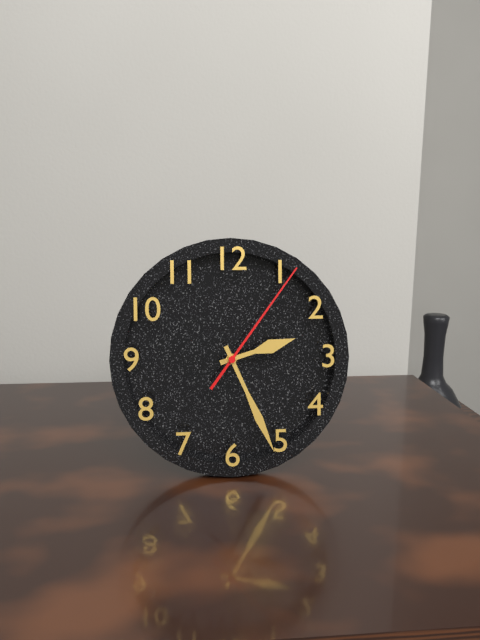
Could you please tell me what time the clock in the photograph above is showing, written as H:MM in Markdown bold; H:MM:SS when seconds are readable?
**2:26:06**
